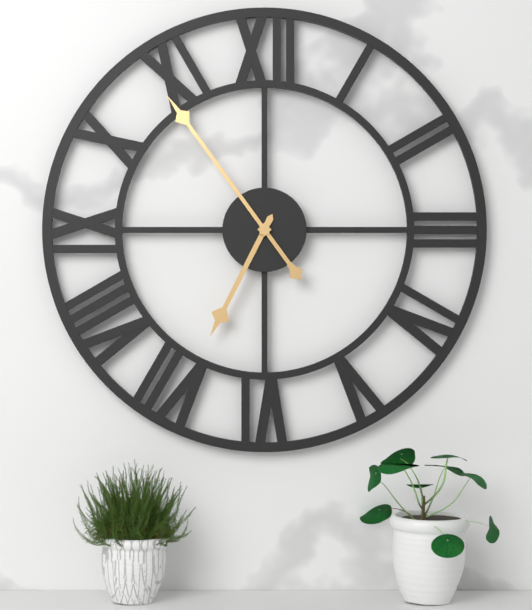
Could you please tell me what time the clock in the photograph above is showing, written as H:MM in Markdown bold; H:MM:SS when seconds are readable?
**6:54**
